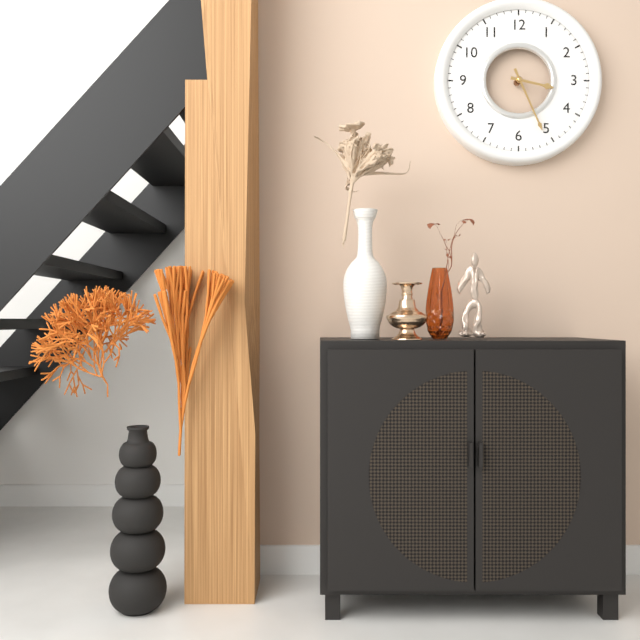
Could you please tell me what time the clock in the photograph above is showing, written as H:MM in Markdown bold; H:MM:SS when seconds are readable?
**3:26**
